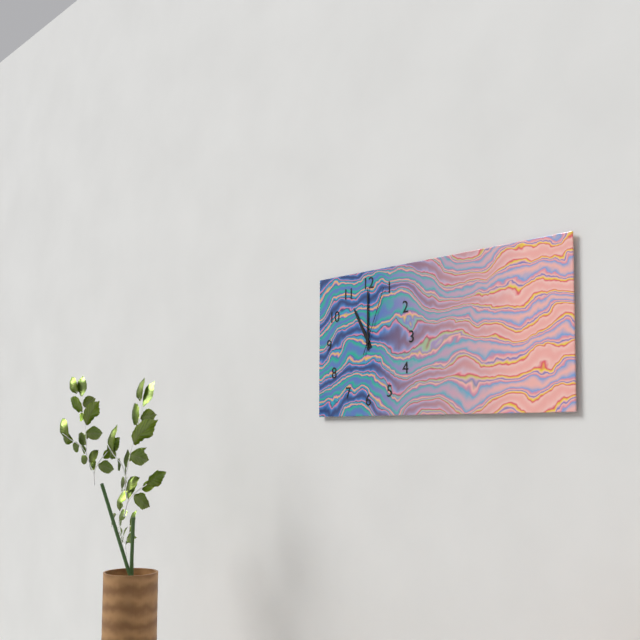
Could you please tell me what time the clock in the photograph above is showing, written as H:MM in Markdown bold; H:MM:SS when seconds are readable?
**11:00:04**
